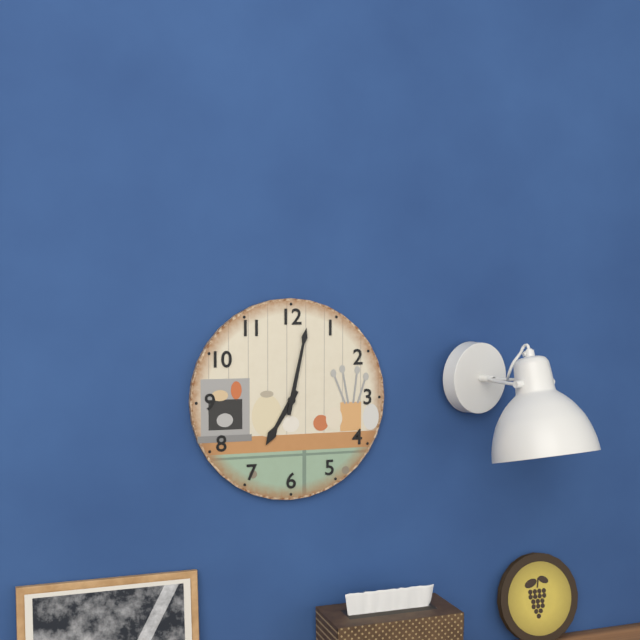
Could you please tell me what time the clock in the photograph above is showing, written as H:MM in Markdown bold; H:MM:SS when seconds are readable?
**7:02**
